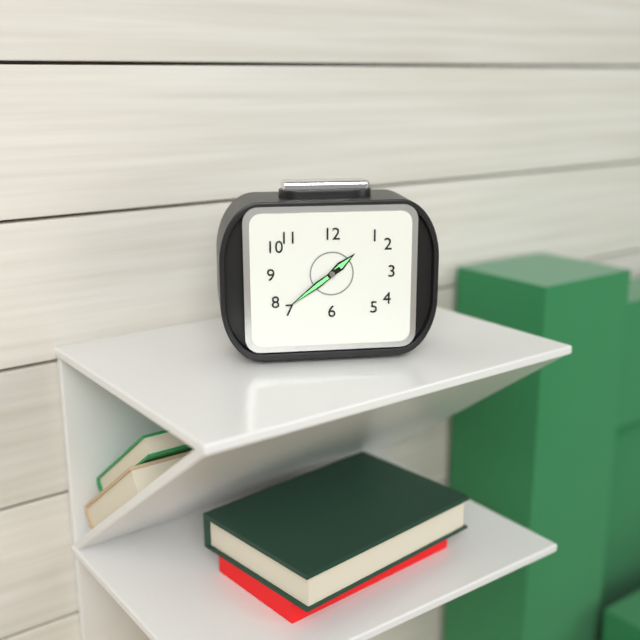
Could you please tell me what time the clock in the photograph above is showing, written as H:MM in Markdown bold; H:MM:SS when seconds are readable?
**1:39**
